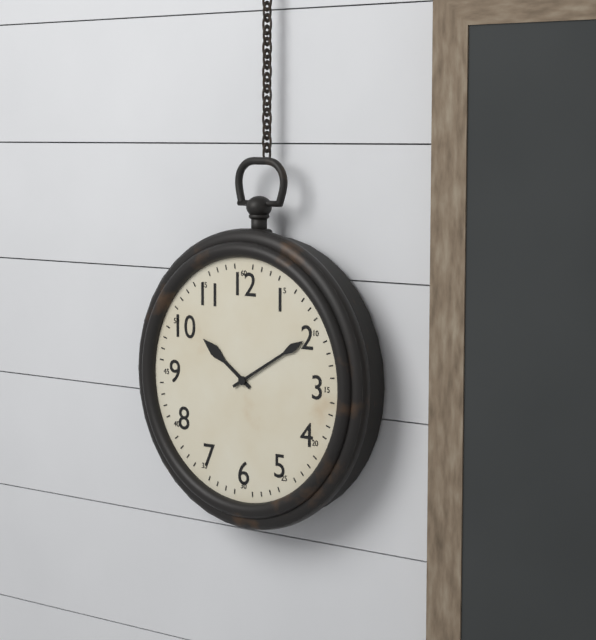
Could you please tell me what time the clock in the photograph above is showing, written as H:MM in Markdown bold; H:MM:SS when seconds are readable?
**10:10**
